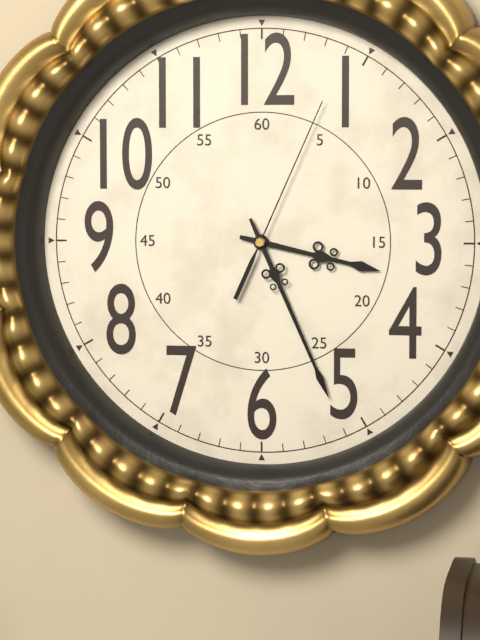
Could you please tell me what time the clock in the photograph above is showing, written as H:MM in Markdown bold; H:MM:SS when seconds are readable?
**3:26:04**
